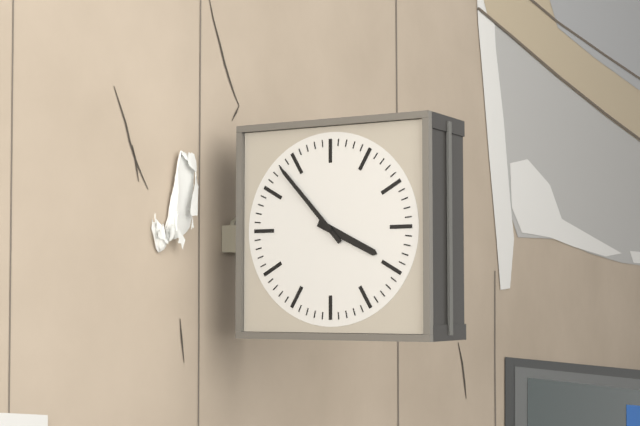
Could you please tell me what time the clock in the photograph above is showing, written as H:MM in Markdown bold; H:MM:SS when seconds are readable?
**3:53**
